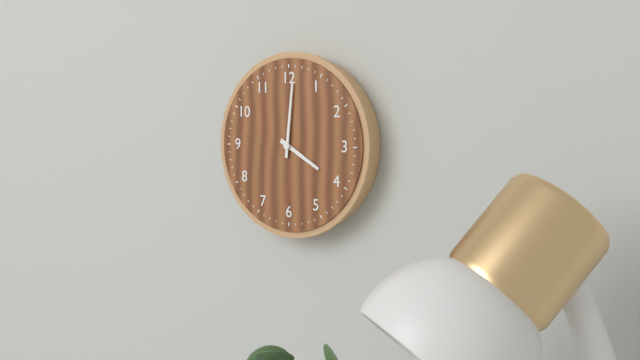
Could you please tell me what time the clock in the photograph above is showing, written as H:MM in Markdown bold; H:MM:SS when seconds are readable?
**4:01**
